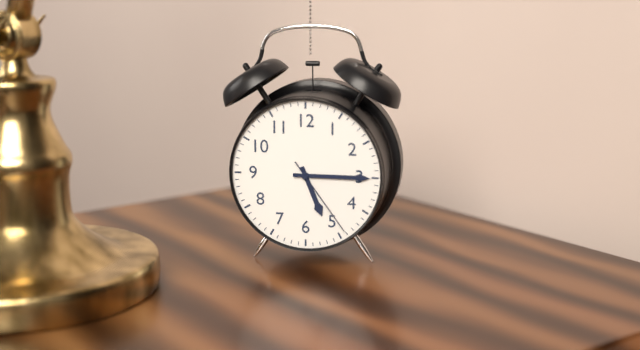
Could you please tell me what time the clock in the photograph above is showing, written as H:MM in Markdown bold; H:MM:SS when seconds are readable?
**5:15:24**
